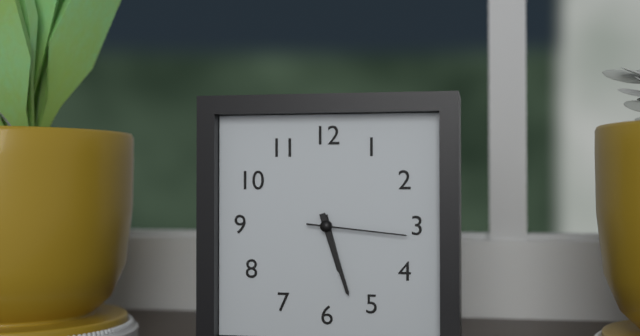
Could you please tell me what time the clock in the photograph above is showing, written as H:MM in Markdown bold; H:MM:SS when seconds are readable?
**5:27:16**
